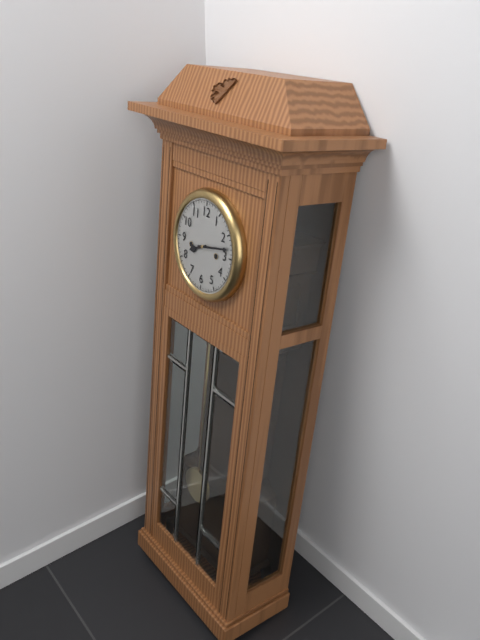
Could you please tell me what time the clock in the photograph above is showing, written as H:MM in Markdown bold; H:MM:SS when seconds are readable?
**8:13**
